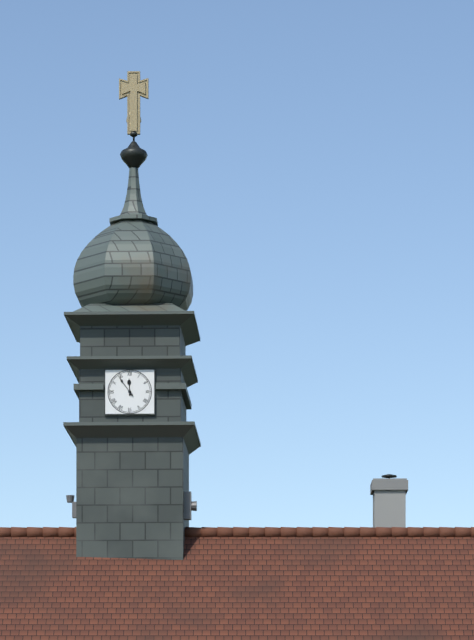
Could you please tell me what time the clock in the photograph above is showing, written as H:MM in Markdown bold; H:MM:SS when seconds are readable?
**11:54**
